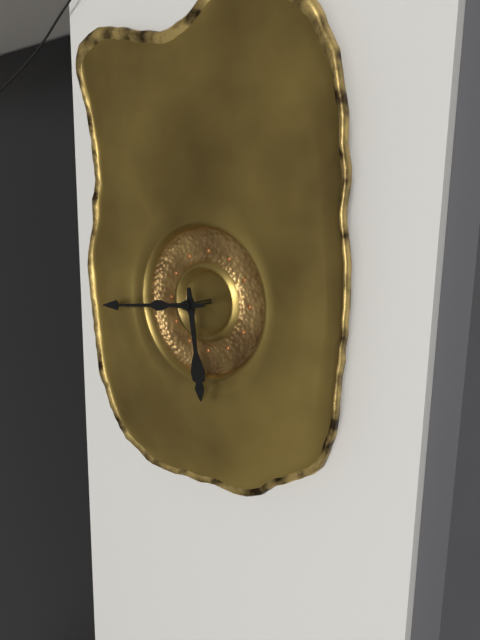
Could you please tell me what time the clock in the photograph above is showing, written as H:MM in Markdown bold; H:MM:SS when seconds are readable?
**5:44**
